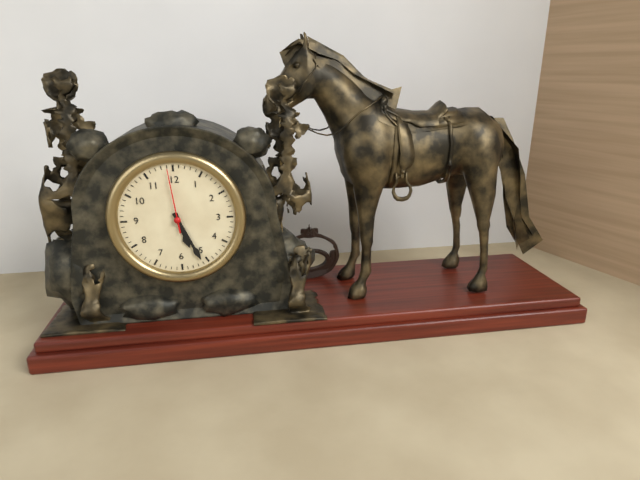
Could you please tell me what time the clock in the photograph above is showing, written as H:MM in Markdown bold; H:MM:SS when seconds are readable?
**5:26:59**
